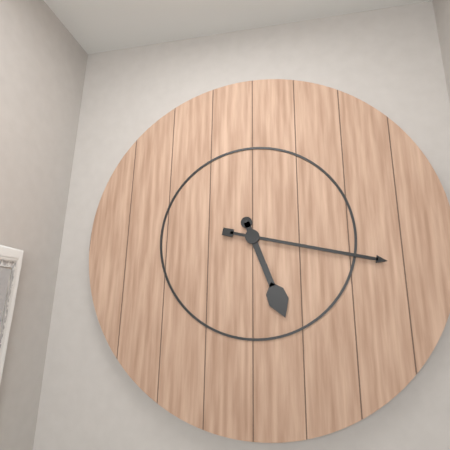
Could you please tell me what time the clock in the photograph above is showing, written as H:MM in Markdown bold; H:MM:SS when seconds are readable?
**5:17**
